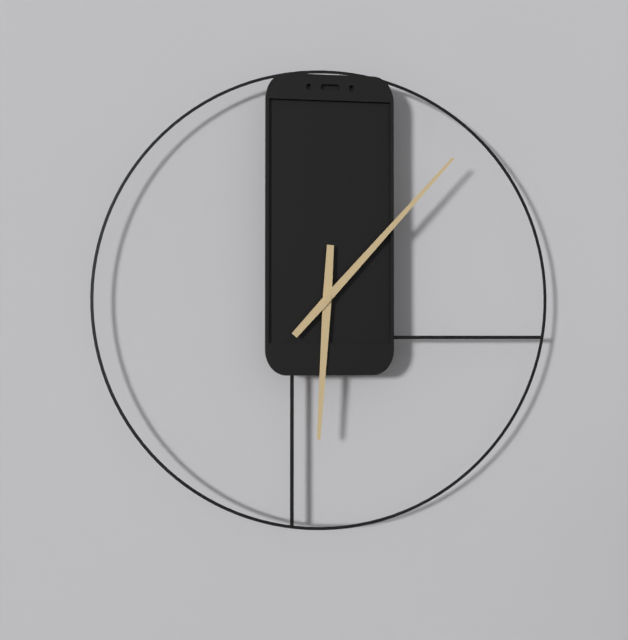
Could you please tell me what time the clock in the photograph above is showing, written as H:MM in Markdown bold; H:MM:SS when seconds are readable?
**6:07**
